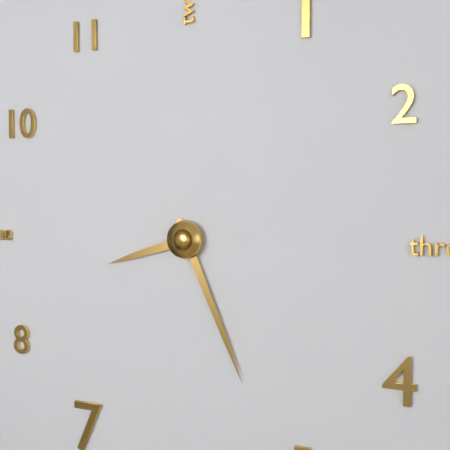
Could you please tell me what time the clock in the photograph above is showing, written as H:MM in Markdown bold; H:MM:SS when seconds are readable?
**8:26**
